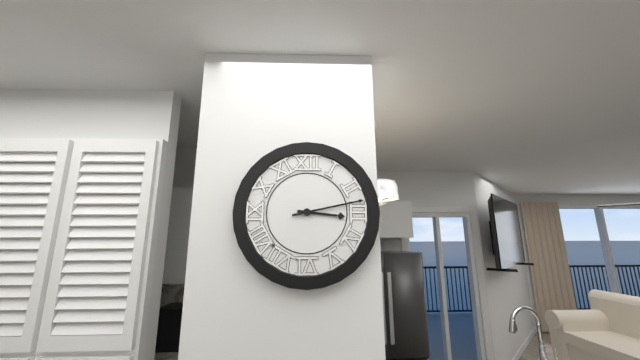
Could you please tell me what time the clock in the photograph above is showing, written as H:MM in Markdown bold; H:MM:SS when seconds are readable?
**3:13**
